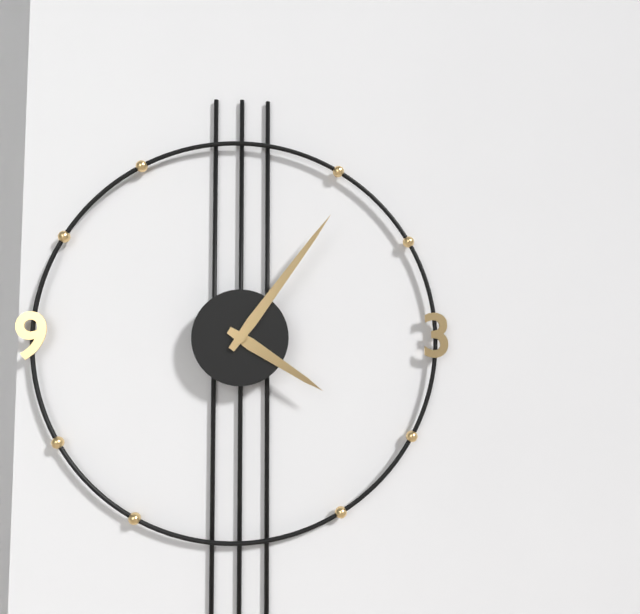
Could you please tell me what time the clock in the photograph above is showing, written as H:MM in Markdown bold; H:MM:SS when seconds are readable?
**4:06**
